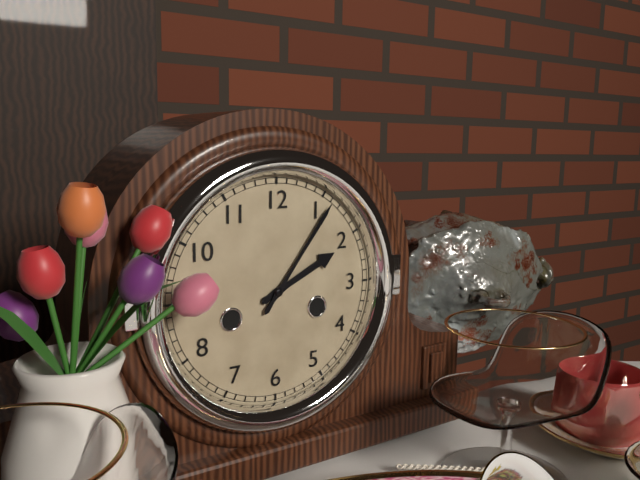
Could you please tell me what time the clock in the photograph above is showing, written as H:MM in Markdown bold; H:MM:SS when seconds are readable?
**2:06**
